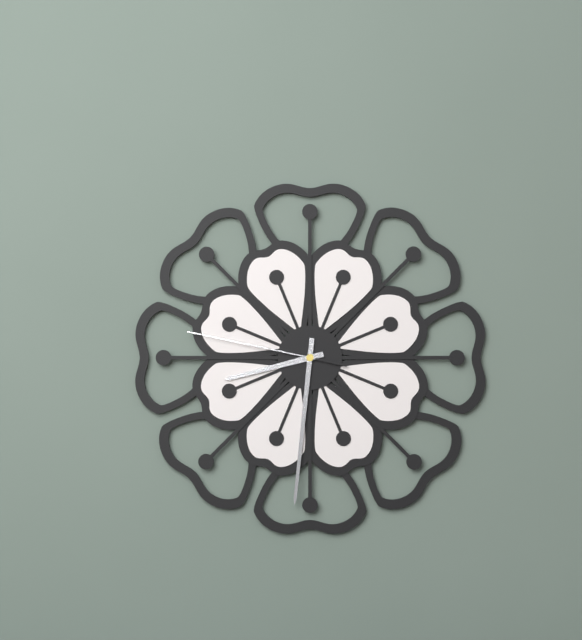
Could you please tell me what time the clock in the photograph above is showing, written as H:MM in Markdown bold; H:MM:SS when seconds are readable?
**8:31:47**
